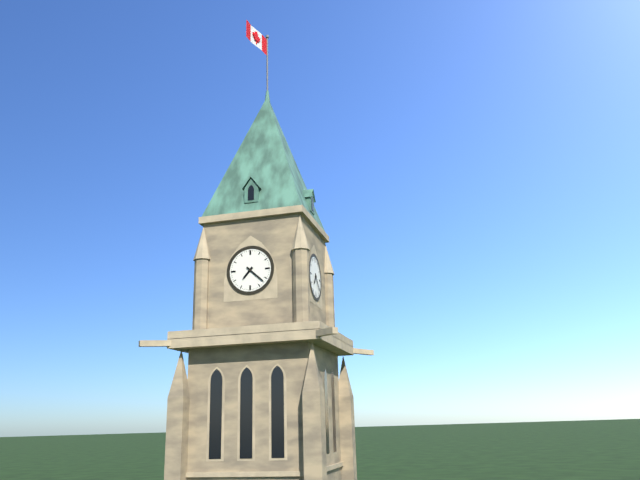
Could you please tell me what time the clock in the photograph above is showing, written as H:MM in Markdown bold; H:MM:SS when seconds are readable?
**7:22**
